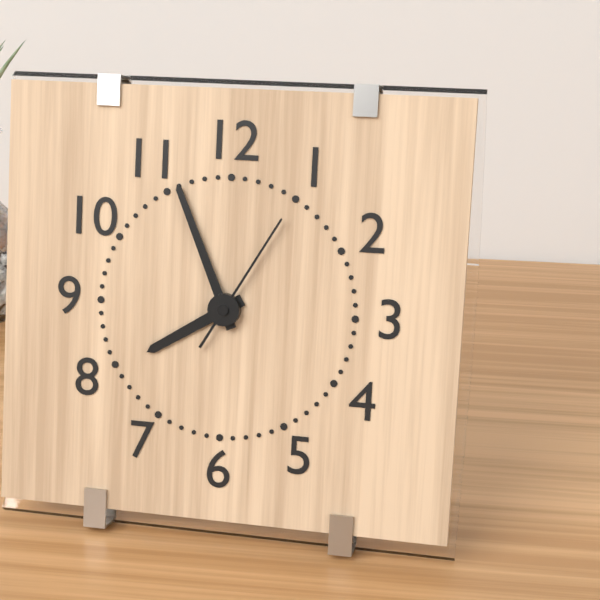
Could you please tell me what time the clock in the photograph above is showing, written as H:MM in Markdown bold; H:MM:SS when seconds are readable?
**7:56:05**
